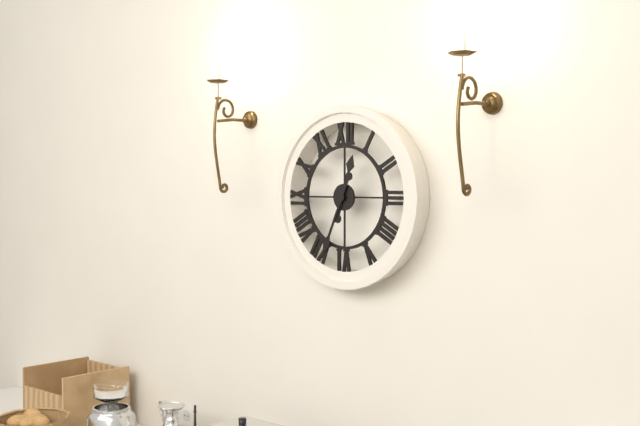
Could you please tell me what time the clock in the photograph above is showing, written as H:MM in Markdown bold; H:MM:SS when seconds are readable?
**12:34**
